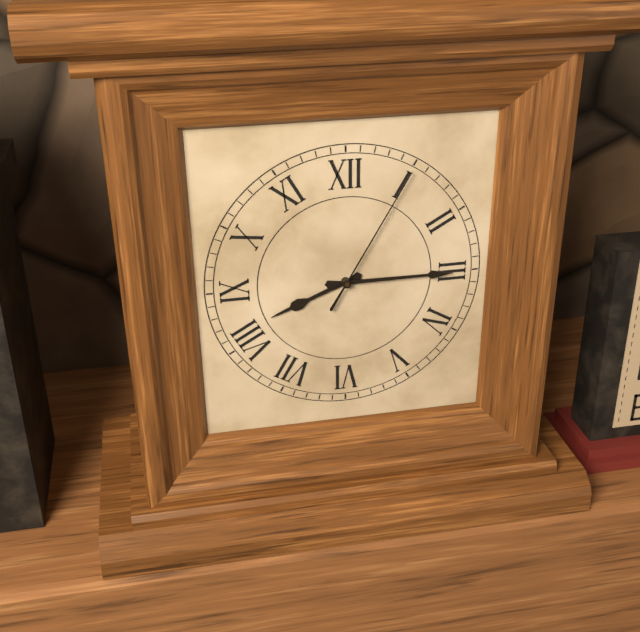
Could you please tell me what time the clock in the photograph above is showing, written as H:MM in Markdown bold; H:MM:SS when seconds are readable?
**8:15:05**
